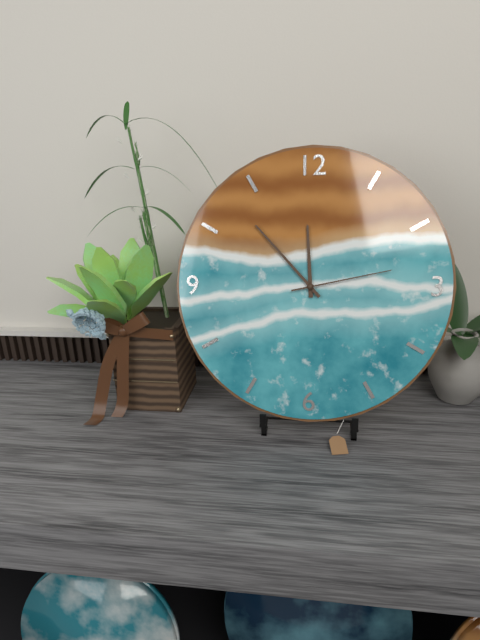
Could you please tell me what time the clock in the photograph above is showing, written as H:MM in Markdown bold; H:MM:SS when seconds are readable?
**11:53:13**
